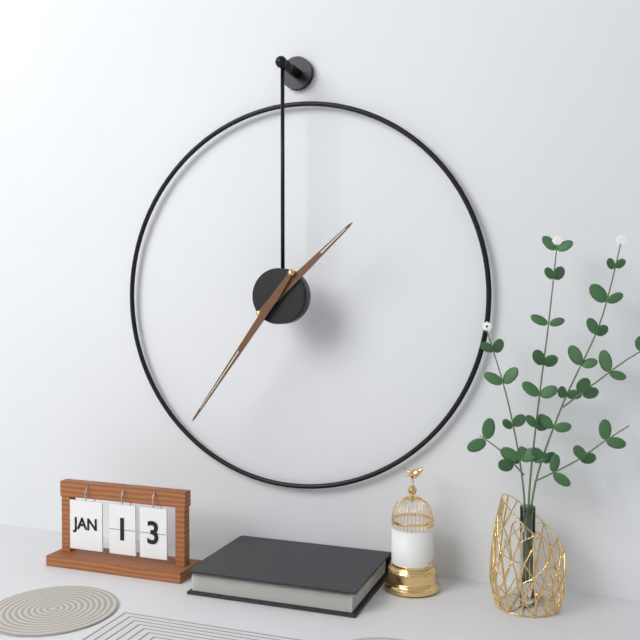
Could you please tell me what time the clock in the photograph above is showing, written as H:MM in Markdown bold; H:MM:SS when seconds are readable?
**1:36**
